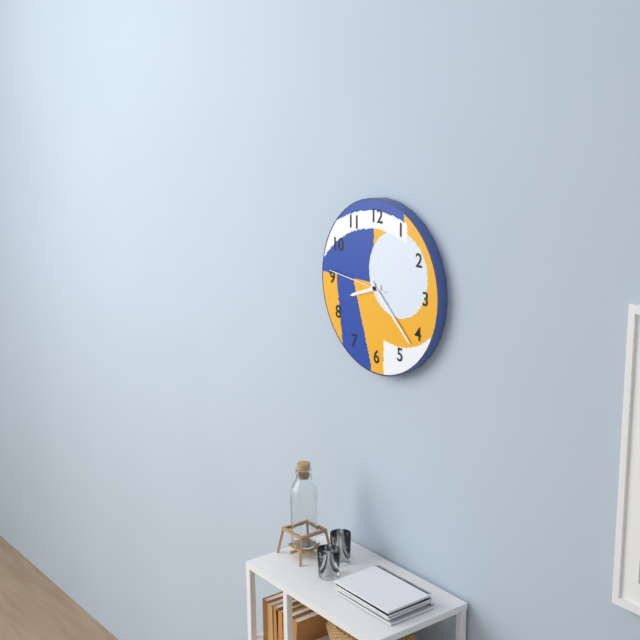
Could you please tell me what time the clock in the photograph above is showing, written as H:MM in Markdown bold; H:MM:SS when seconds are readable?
**8:22:46**
